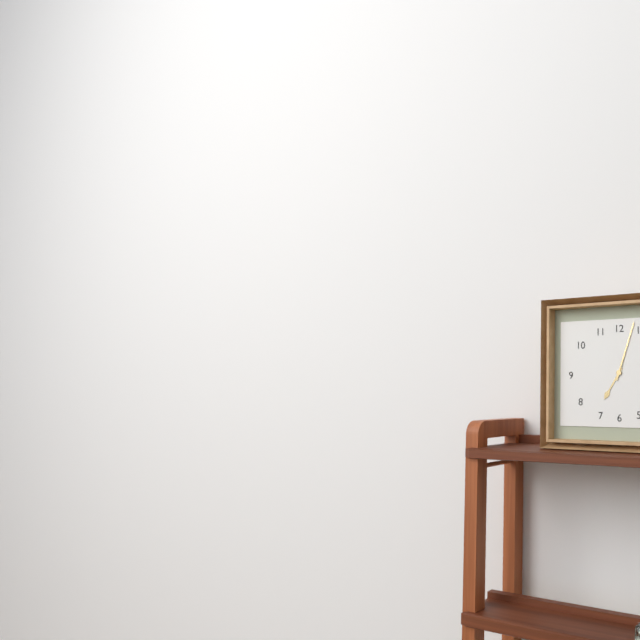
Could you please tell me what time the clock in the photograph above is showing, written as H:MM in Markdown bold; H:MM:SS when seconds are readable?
**7:03**
